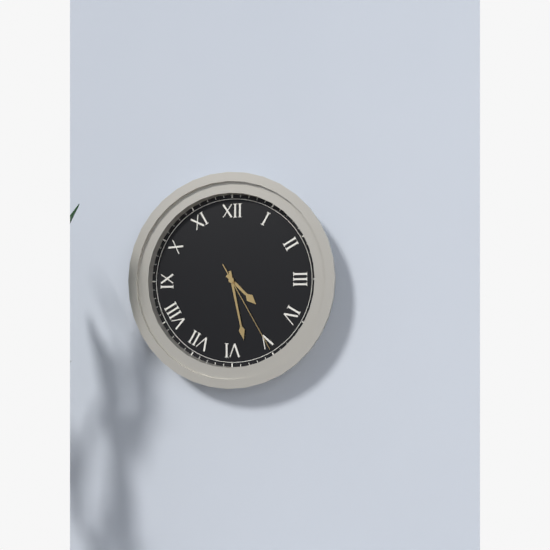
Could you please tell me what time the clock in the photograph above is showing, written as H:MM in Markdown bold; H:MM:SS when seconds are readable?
**4:28:25**
